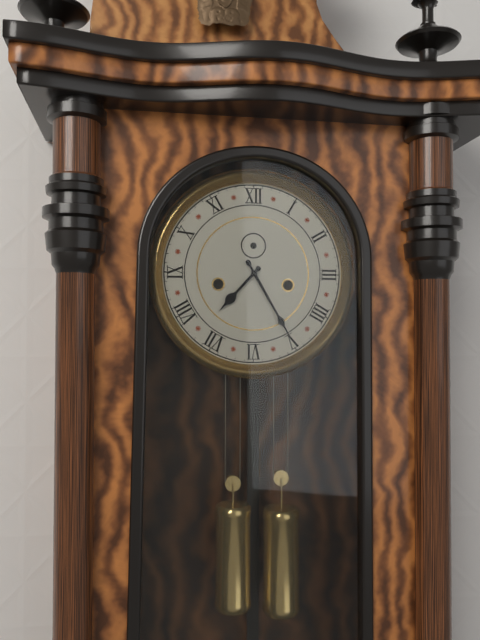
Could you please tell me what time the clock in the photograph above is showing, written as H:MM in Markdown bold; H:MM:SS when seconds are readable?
**7:25**
